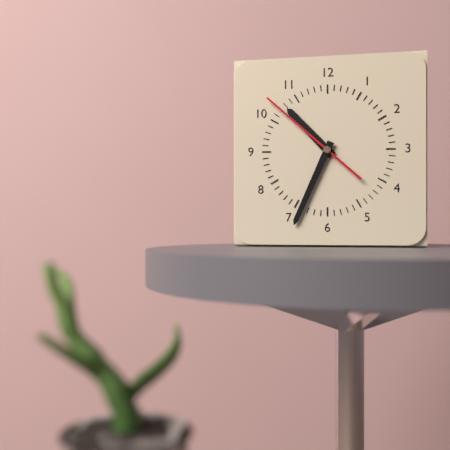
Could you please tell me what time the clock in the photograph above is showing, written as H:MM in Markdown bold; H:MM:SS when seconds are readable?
**10:34:52**
